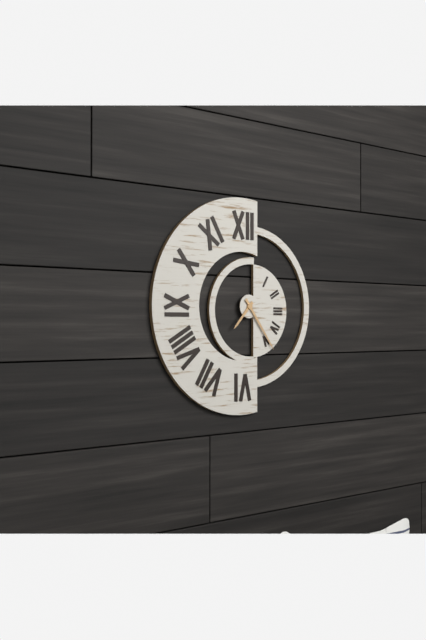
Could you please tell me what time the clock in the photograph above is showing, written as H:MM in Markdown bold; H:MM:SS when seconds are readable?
**7:24**
